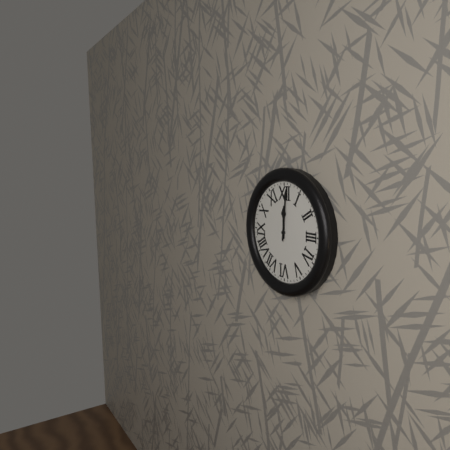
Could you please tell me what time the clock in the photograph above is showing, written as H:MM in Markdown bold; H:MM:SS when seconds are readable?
**12:01**
